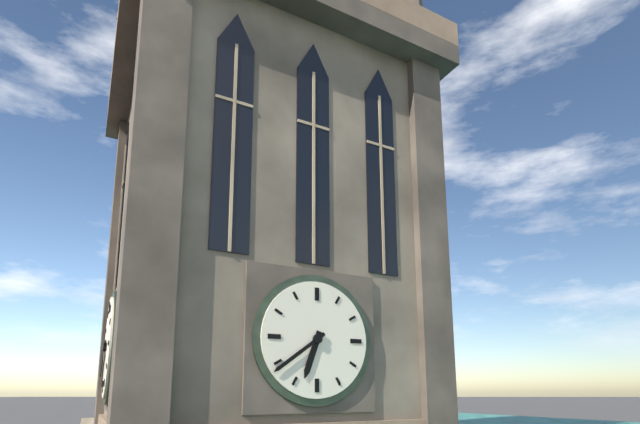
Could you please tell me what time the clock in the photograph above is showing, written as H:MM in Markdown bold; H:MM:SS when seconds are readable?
**6:39**
